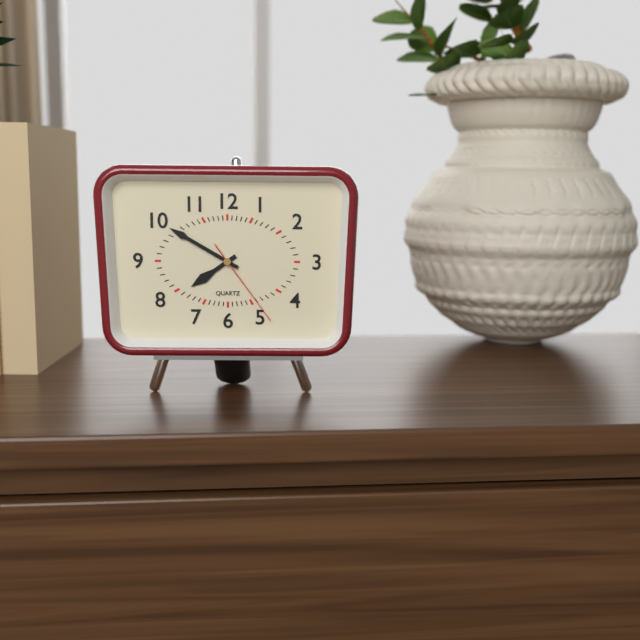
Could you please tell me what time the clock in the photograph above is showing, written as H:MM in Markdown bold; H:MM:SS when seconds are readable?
**7:50:24**
